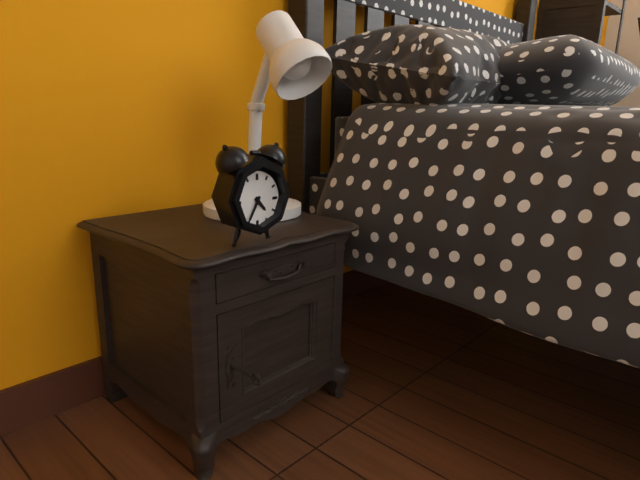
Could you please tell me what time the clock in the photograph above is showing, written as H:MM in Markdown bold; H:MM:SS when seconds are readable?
**4:35**
